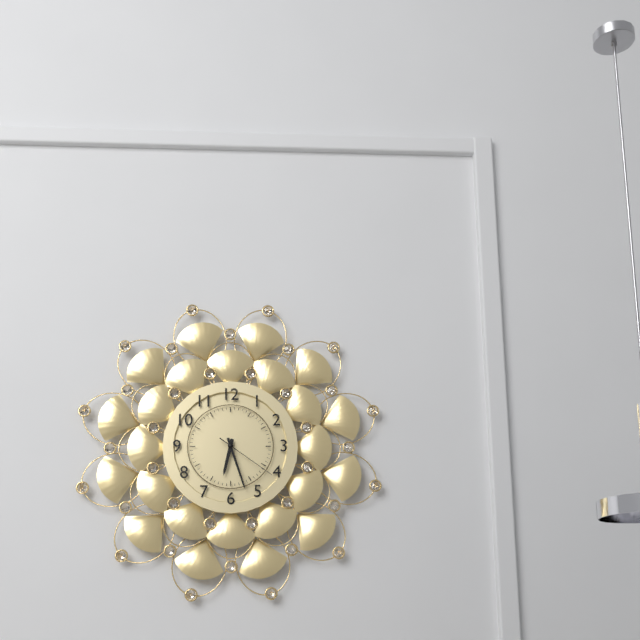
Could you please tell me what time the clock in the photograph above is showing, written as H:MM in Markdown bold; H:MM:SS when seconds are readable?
**6:27:21**
